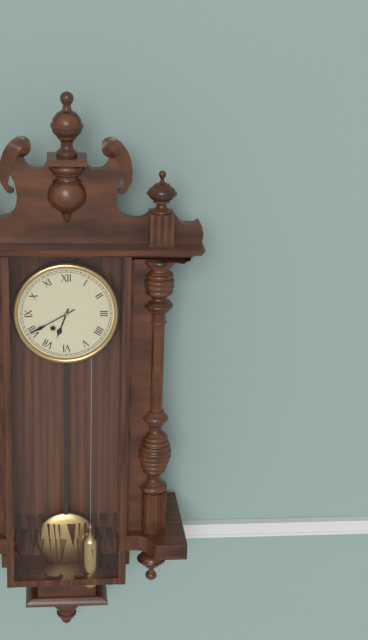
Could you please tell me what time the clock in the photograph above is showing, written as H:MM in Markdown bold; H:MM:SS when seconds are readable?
**6:40**
